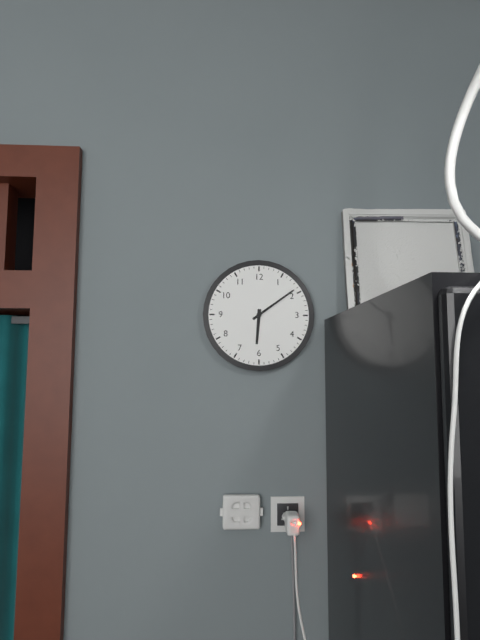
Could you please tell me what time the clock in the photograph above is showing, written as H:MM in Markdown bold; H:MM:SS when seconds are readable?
**6:09**
